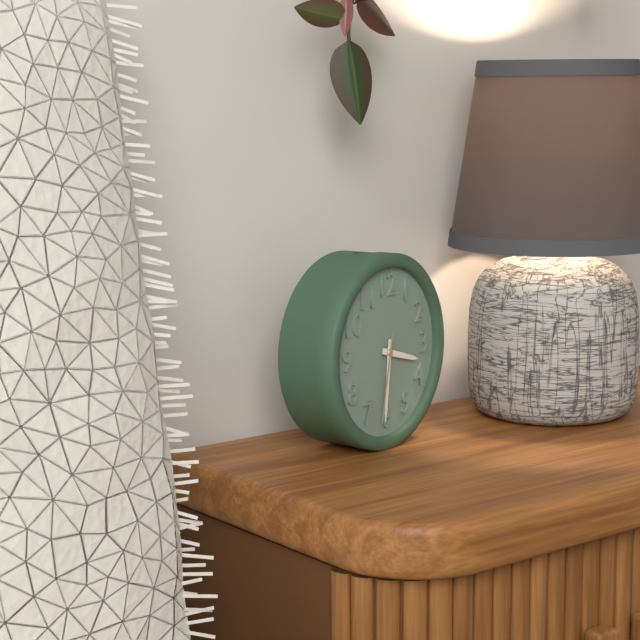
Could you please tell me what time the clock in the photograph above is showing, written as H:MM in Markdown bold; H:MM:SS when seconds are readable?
**3:31:32**
